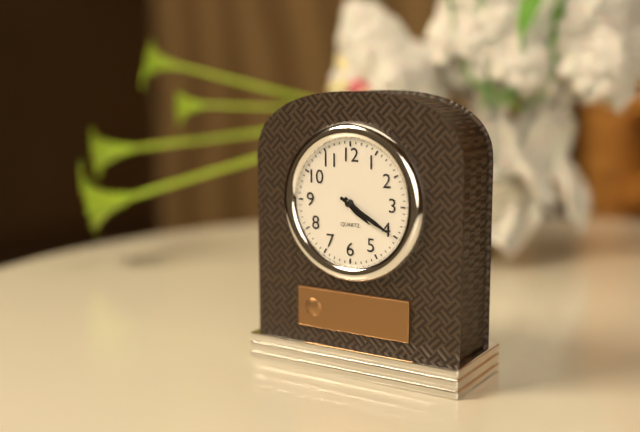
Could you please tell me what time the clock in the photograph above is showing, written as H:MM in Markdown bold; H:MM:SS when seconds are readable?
**4:20**
